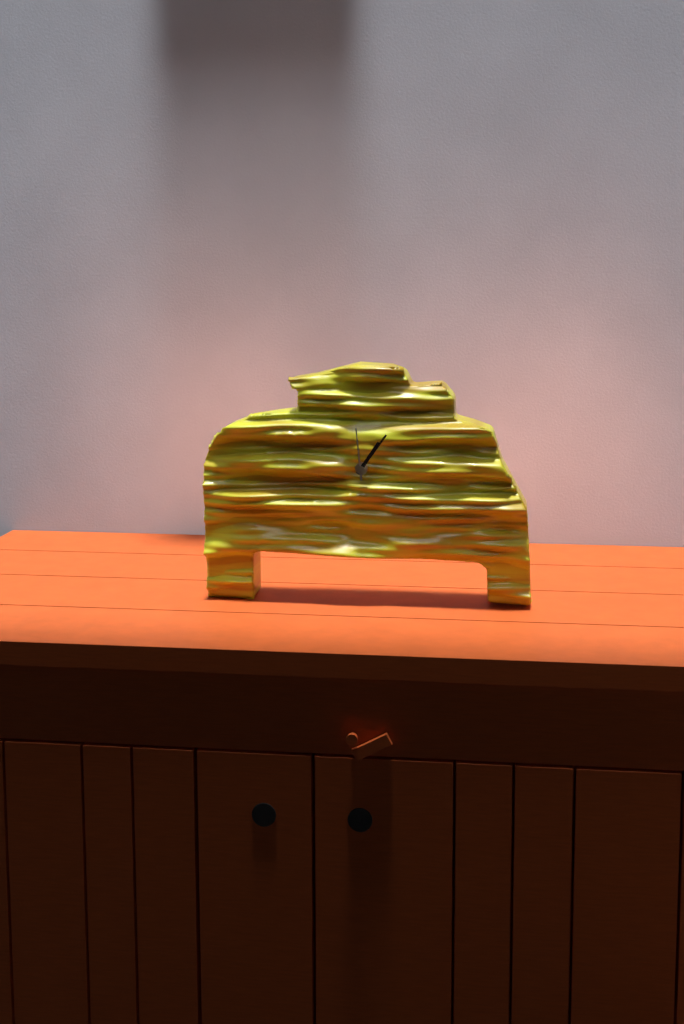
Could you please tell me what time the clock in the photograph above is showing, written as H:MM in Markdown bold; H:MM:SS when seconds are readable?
**1:06:59**
